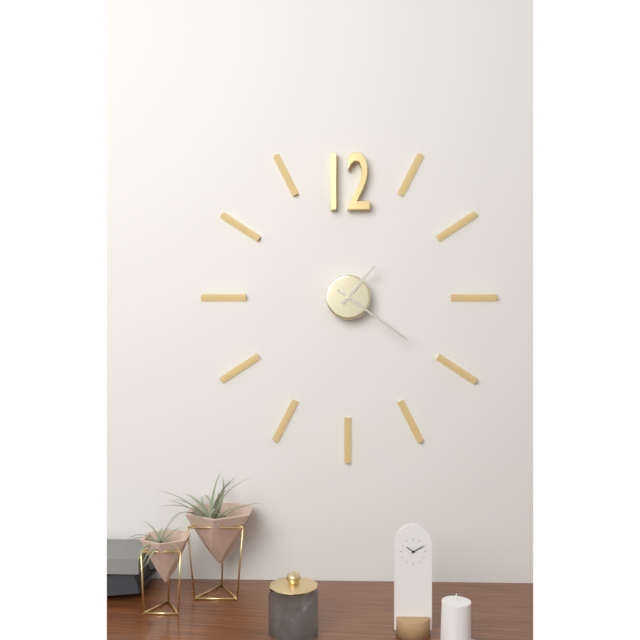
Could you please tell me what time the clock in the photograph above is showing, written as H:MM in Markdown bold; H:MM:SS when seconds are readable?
**1:21**
